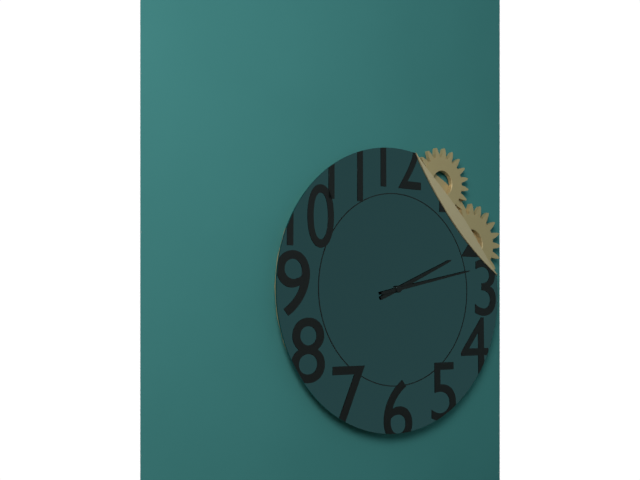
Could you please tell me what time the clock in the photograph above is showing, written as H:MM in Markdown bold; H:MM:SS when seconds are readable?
**2:13**
